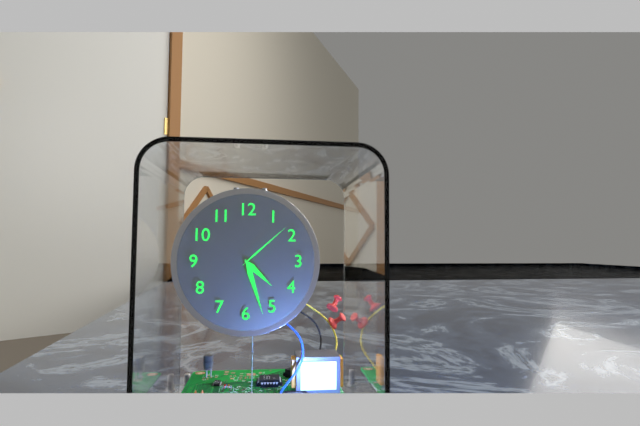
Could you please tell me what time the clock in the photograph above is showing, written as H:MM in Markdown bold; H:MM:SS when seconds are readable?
**4:27:08**
